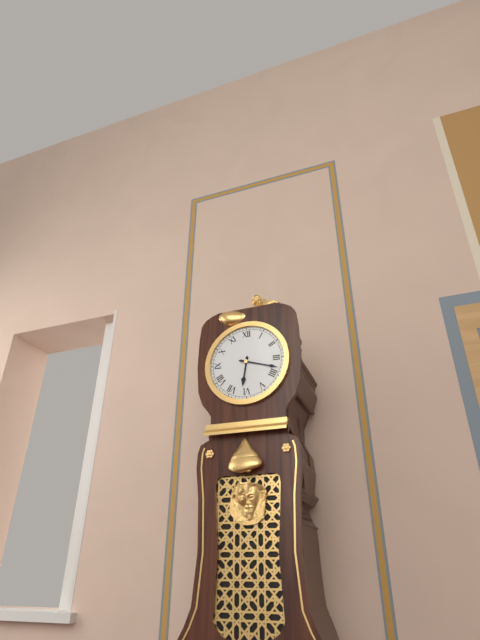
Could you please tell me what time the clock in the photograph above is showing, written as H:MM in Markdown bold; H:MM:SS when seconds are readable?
**6:18**
